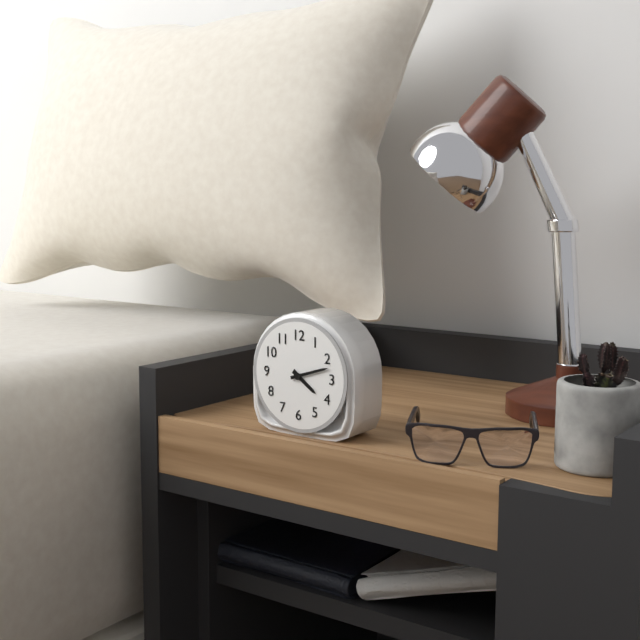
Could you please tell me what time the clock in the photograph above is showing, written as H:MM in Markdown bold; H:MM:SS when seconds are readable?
**4:12**
